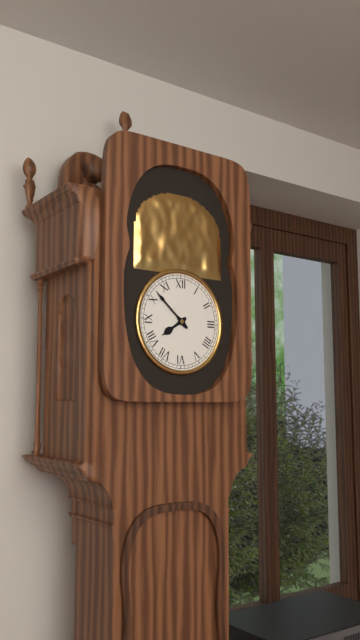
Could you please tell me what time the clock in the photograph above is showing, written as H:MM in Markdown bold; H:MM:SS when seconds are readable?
**7:52**
